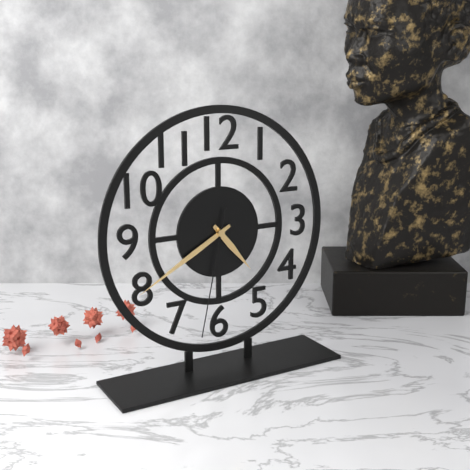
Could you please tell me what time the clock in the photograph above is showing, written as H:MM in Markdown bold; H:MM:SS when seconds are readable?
**4:40:32**
